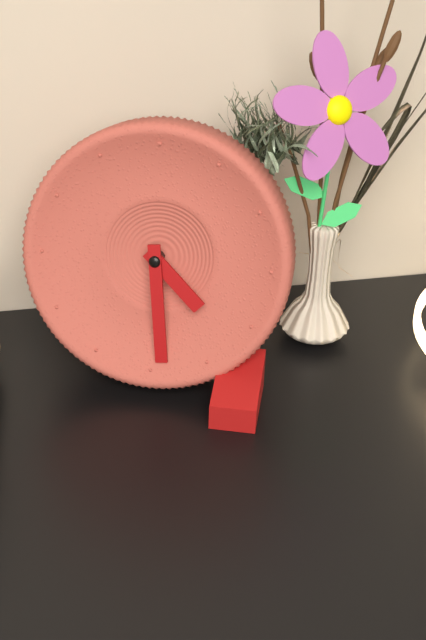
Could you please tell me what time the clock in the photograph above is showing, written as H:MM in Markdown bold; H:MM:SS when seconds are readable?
**4:29**
